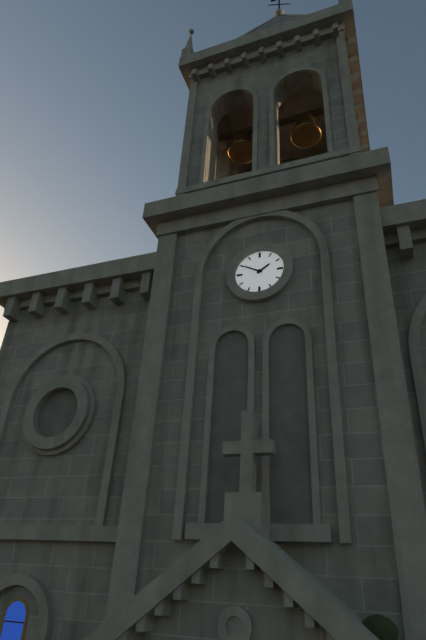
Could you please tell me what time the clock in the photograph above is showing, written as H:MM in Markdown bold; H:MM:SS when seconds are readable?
**1:50**
